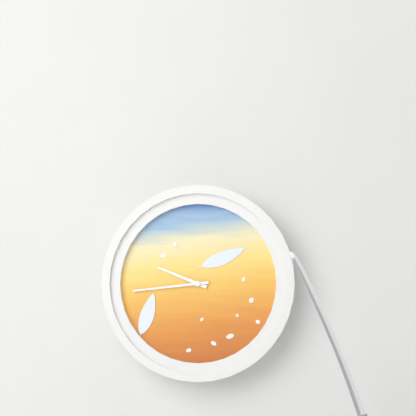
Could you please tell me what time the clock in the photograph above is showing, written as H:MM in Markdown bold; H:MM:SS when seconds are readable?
**9:44**
